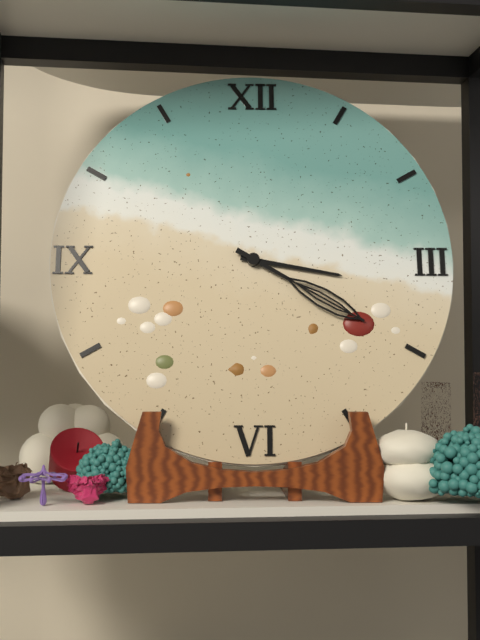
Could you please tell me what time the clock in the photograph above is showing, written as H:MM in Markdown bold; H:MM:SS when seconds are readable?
**3:20**
